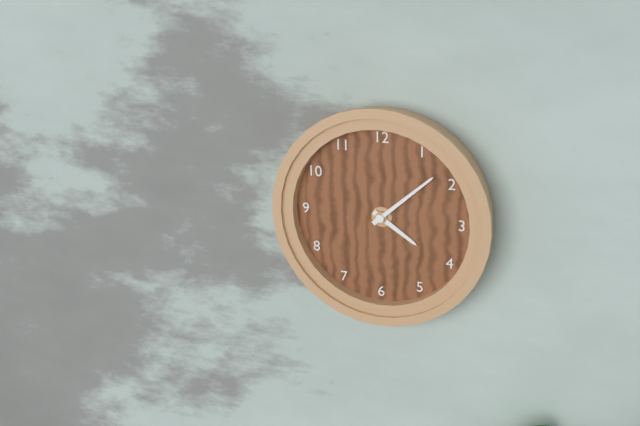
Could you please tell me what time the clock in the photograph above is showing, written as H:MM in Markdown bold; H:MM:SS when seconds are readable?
**4:08**
